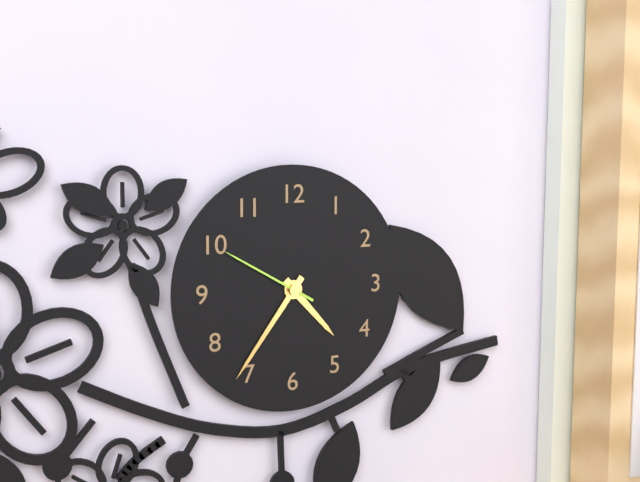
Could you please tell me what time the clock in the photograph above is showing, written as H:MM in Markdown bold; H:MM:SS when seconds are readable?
**4:36:50**
